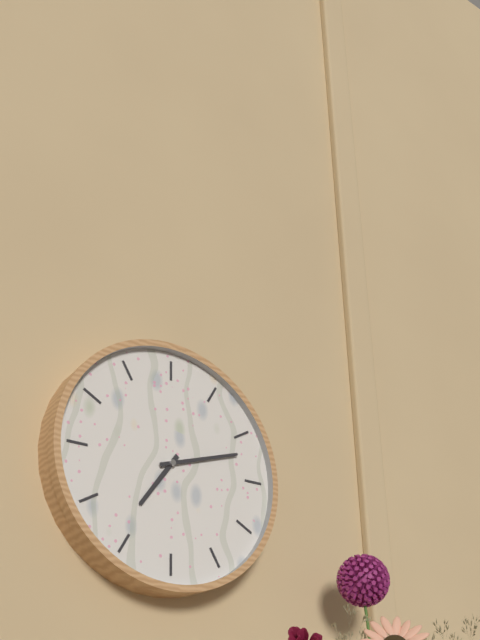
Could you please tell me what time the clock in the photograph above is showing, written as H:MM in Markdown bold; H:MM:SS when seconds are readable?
**7:12**
